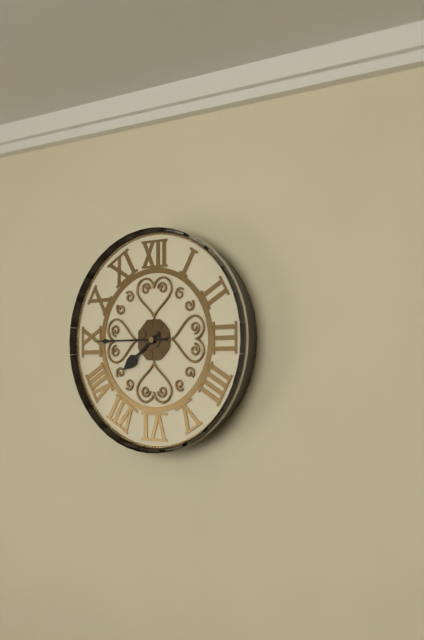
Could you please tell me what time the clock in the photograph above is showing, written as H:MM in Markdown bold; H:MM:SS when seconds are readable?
**7:45**
